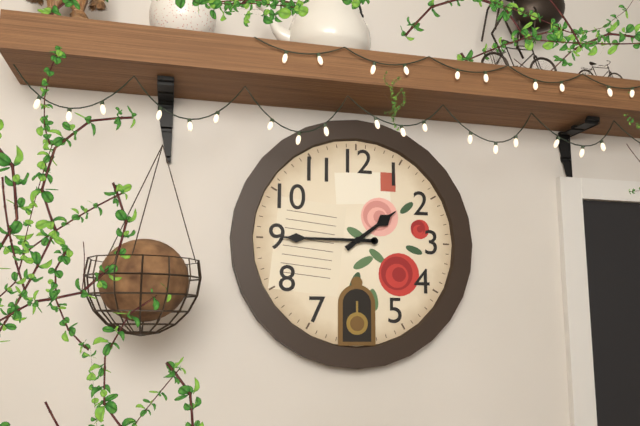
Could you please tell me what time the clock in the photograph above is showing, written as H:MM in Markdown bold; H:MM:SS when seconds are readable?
**1:45**
